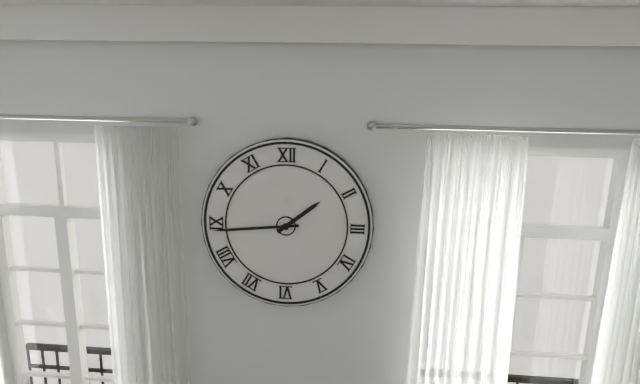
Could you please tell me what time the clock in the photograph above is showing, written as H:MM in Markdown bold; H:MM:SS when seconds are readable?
**1:44**
